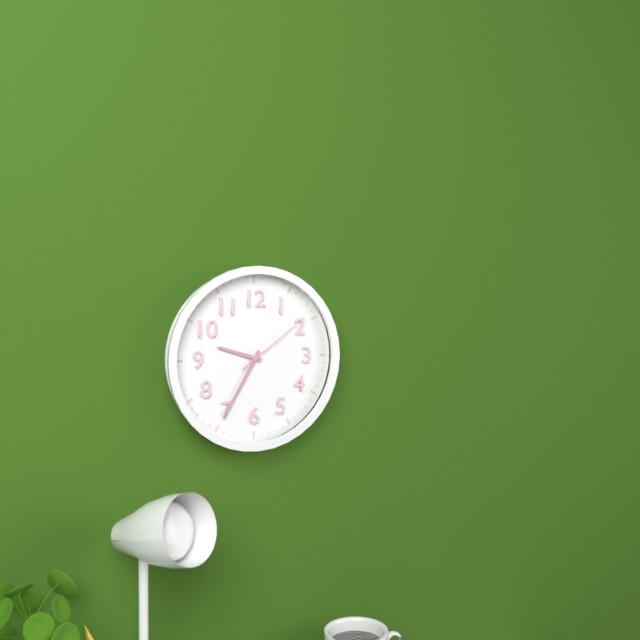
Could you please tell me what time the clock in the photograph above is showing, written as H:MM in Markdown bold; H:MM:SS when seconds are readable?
**9:35:09**
